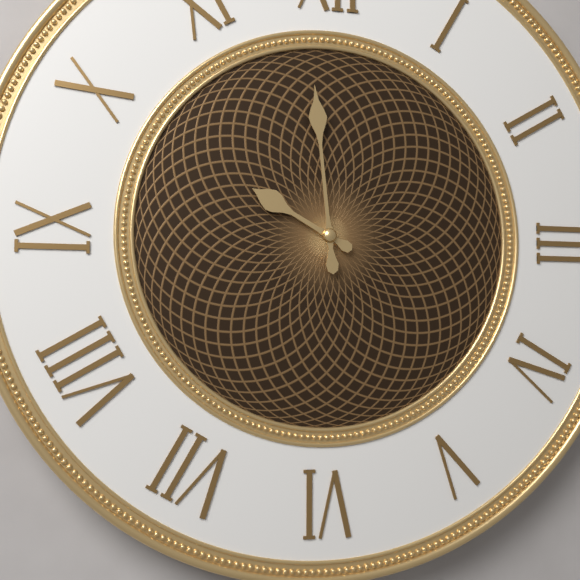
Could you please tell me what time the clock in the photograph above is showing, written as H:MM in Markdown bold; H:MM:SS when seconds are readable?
**9:59**
